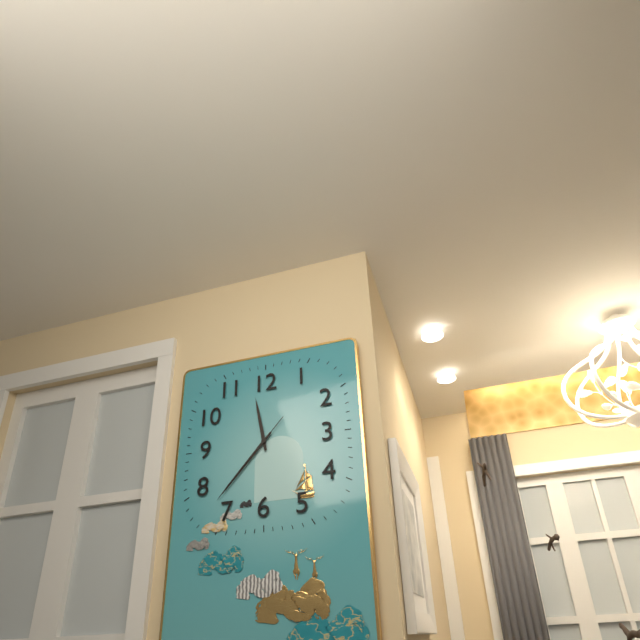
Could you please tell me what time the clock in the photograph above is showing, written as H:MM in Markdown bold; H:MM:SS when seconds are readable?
**11:37:37**
